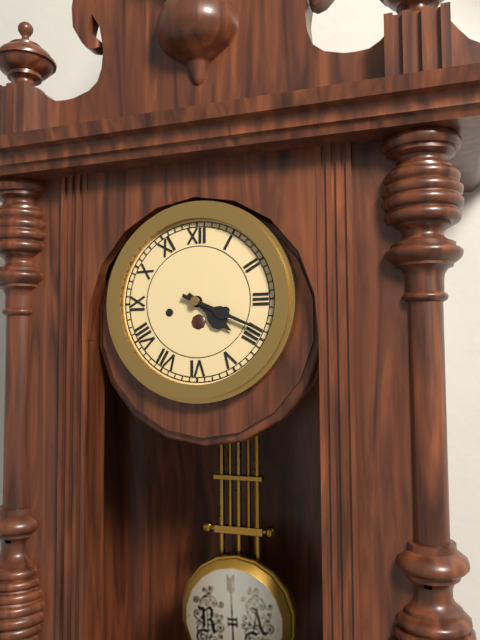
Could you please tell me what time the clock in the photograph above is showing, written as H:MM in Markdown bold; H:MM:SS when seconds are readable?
**4:19**
